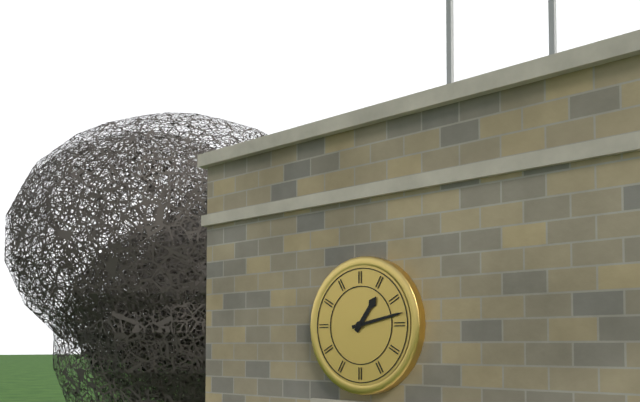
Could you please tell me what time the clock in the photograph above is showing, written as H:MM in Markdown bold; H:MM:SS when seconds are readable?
**1:13**
